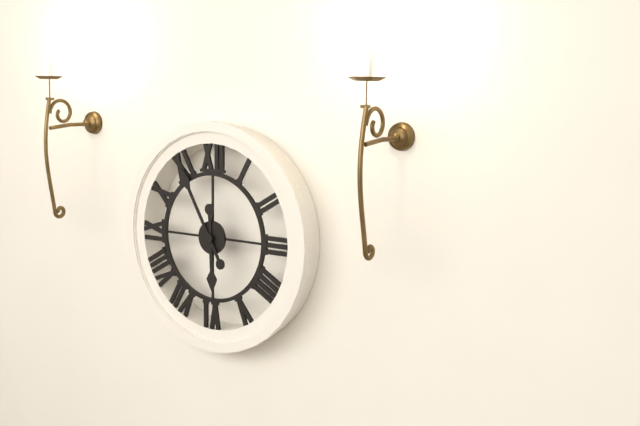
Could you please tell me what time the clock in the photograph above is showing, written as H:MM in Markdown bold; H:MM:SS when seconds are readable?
**5:55**
